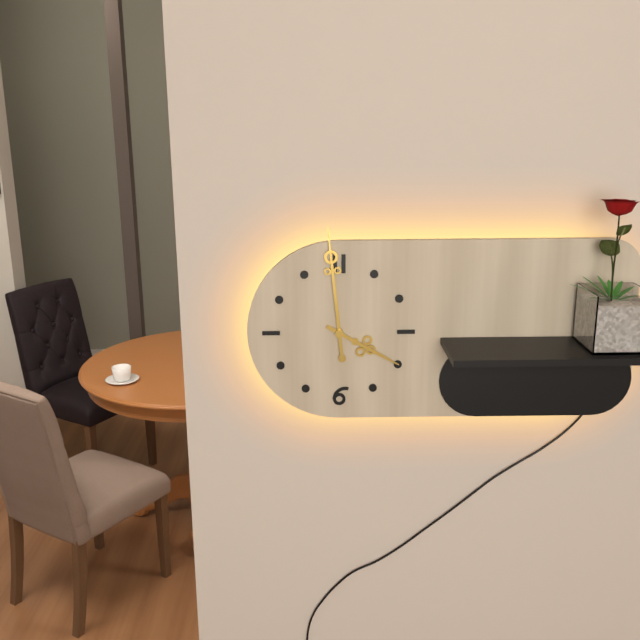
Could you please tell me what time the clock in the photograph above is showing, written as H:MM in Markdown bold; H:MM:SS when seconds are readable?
**3:59**
